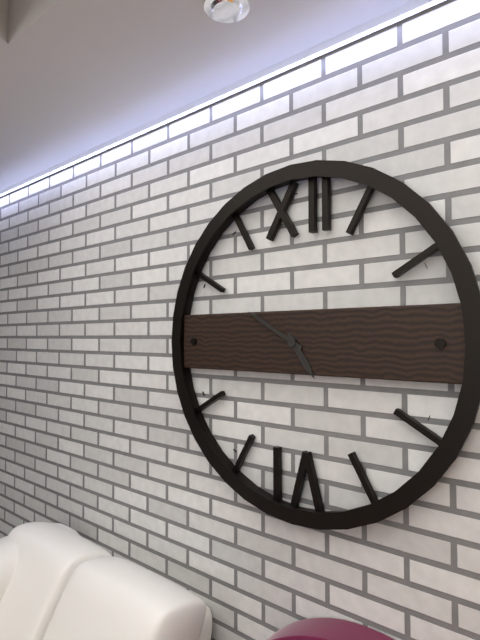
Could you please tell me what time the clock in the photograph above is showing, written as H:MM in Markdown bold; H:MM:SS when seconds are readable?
**4:50**
